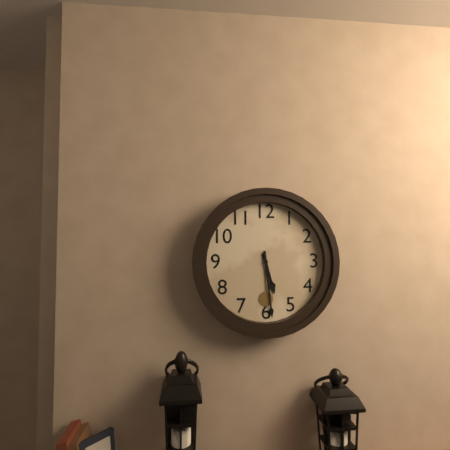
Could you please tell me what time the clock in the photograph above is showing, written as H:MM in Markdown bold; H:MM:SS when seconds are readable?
**5:29**
